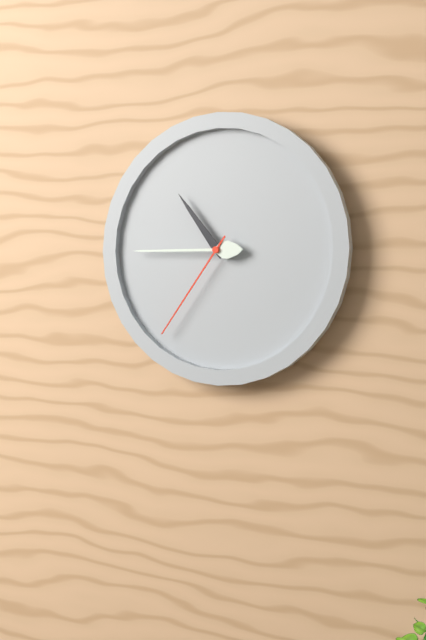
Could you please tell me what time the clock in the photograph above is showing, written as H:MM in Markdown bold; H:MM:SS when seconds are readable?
**10:45:36**
